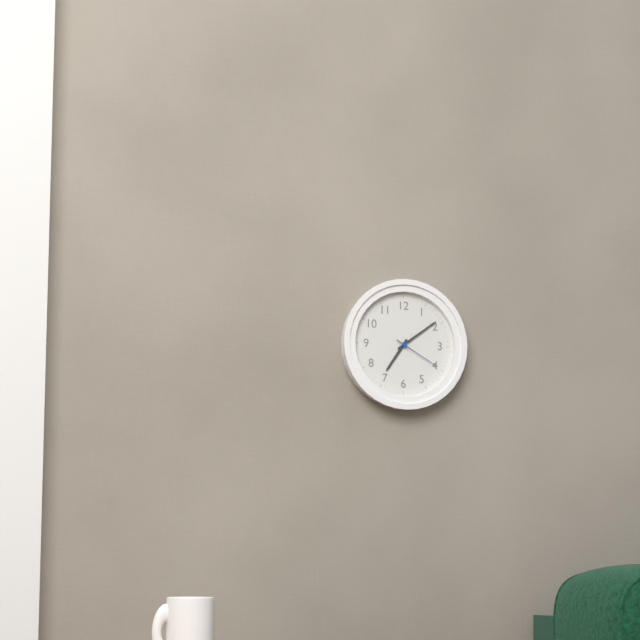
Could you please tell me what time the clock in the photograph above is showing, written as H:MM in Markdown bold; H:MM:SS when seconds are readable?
**7:09**
